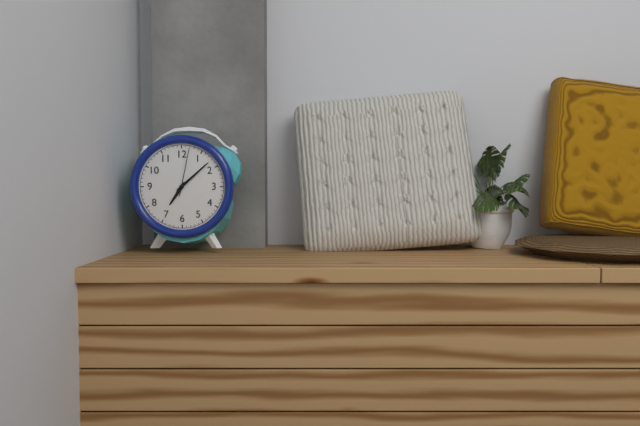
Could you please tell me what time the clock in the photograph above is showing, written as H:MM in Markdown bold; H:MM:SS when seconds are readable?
**7:08**
